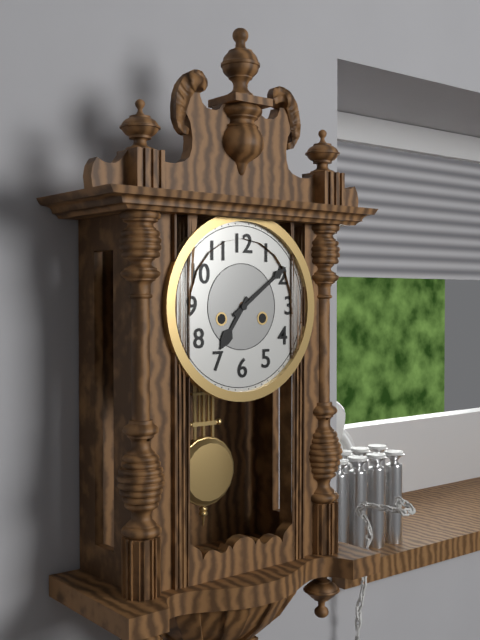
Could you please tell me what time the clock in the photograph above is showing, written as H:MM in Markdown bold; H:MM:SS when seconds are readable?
**7:09**
